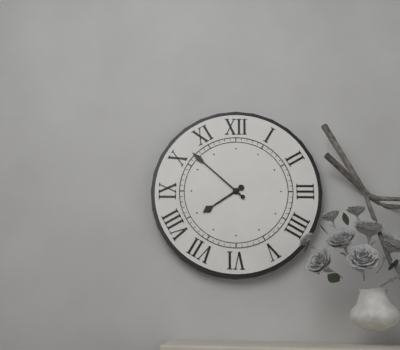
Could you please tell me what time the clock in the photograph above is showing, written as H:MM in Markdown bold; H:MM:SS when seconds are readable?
**7:52**
